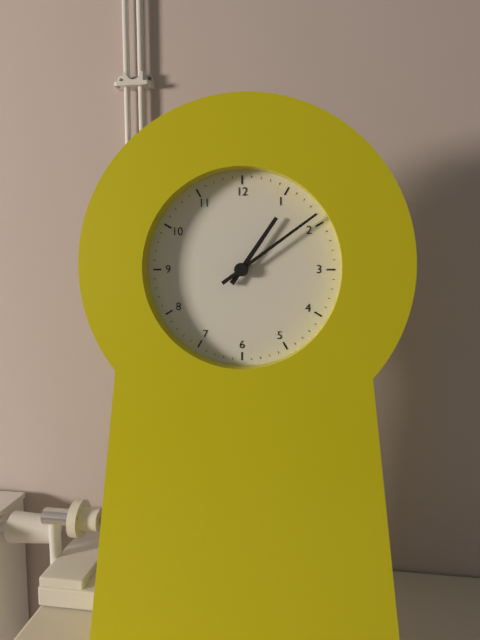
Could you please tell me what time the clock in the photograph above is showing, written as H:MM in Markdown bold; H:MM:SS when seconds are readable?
**1:09**
